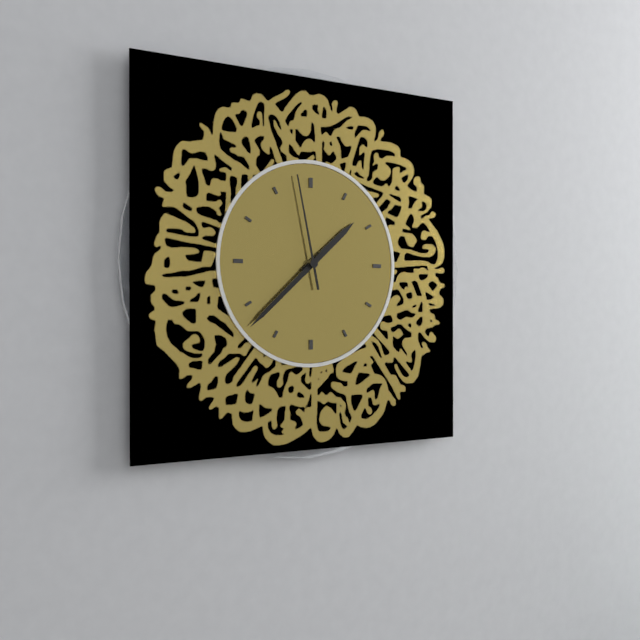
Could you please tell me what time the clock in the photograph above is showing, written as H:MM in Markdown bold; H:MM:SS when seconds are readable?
**1:38:58**
